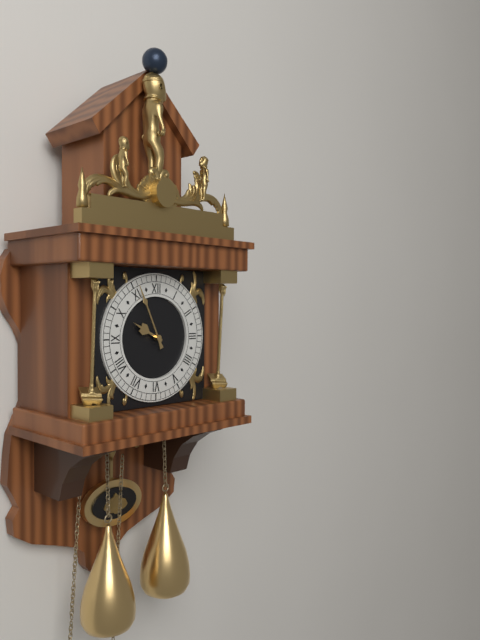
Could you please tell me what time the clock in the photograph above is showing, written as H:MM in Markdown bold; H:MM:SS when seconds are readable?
**9:56**
